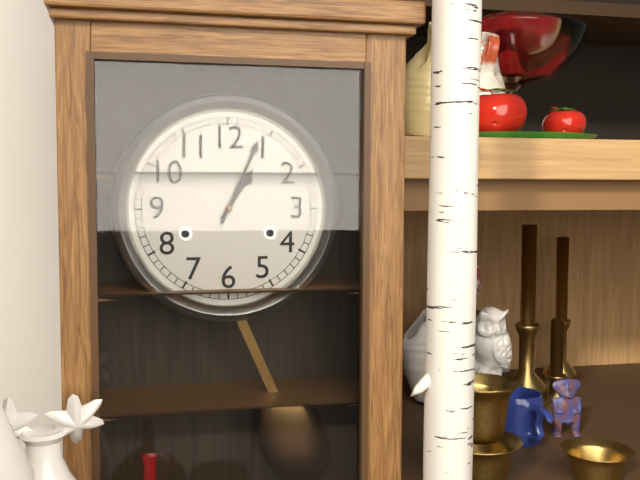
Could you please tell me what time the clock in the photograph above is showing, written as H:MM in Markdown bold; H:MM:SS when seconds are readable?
**1:04**
